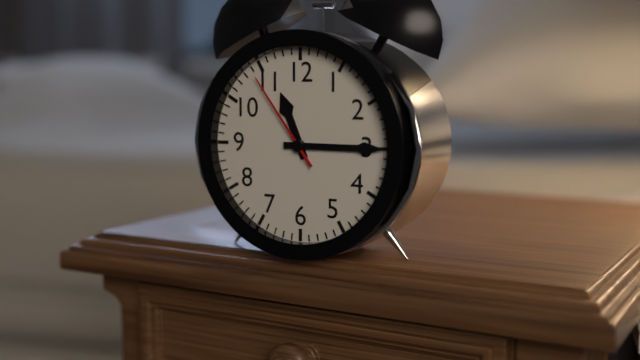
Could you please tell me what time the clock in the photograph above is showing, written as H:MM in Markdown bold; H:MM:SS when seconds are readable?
**11:15:54**
